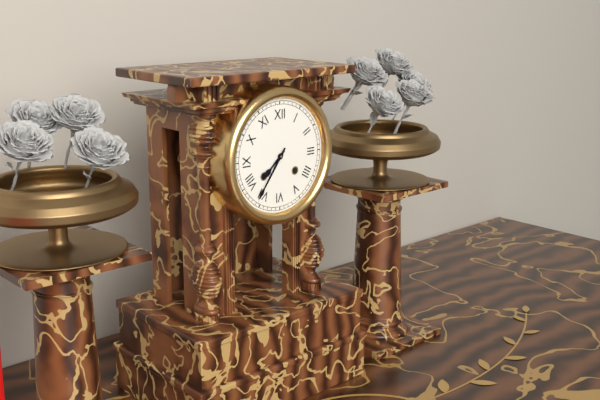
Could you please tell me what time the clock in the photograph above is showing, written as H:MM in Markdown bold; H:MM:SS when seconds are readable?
**7:36**
